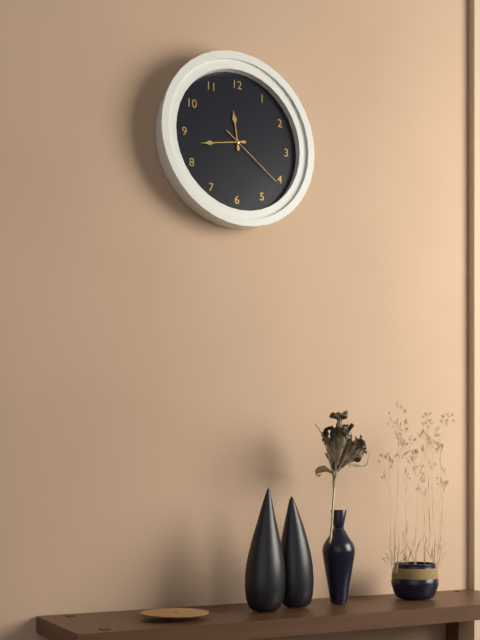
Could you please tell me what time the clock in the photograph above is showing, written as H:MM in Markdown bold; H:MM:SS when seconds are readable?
**11:43:21**
